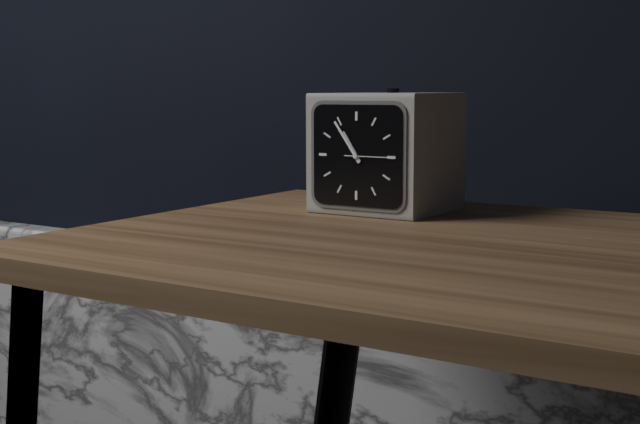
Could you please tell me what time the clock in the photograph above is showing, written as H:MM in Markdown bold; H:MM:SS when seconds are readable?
**10:54**
